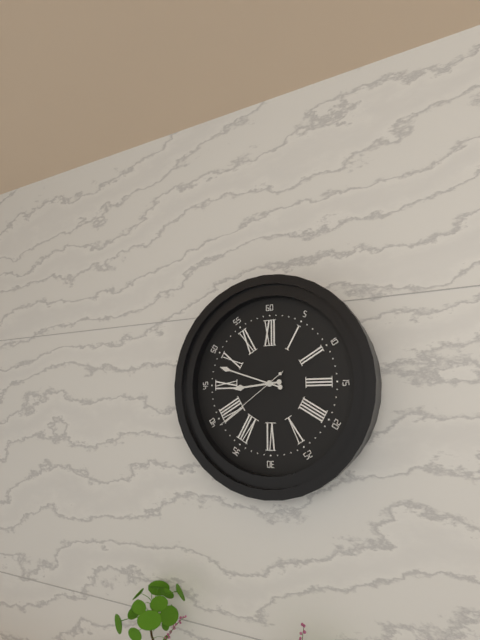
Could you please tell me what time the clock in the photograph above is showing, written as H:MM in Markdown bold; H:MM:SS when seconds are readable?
**8:48:39**
